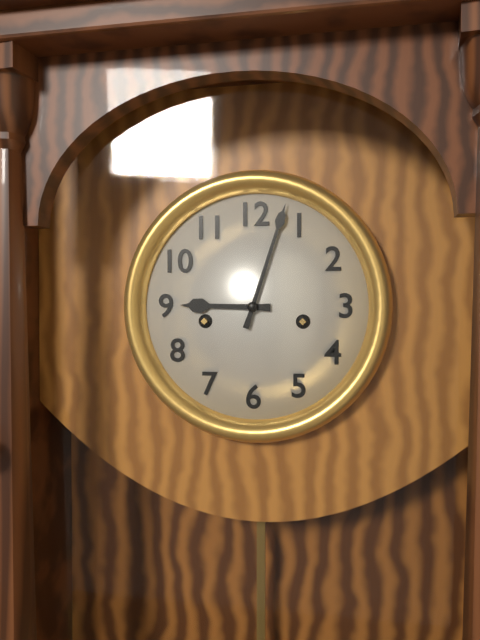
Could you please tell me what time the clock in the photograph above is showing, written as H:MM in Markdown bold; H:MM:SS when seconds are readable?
**9:03**
